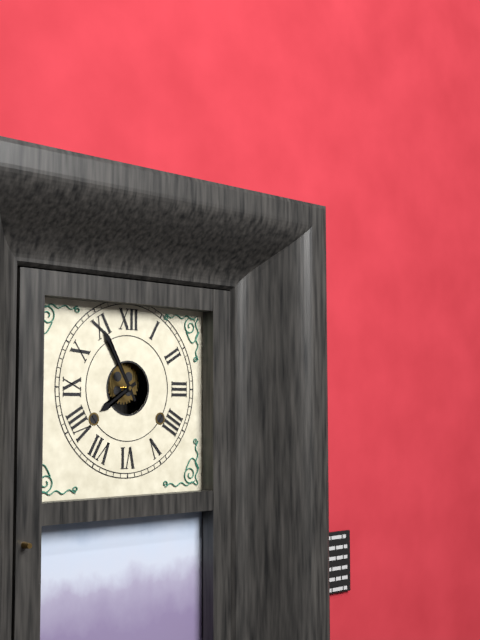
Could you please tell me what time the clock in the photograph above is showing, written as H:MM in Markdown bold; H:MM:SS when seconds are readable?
**7:55**
